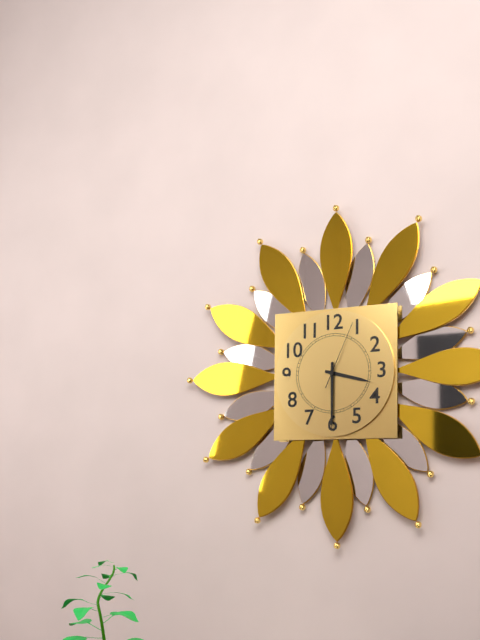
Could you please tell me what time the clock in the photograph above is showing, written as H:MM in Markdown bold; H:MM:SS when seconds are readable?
**3:30:04**
